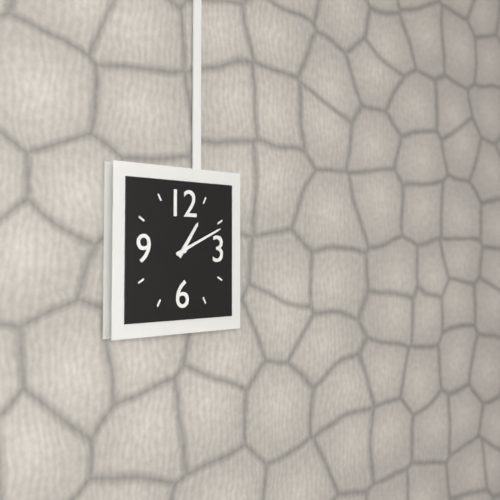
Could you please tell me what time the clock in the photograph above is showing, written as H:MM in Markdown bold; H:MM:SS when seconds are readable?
**1:11**
